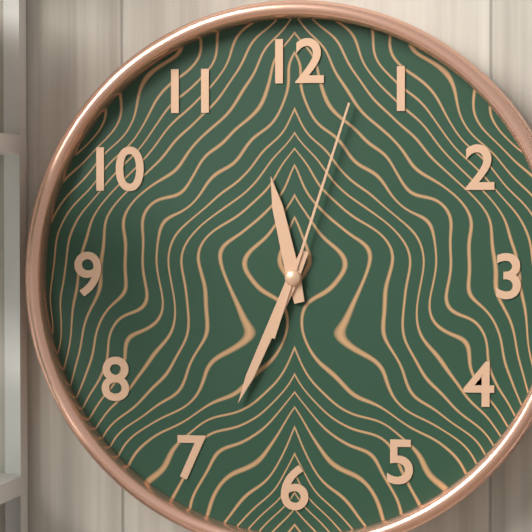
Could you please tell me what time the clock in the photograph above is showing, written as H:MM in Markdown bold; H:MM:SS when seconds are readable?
**11:34:03**
